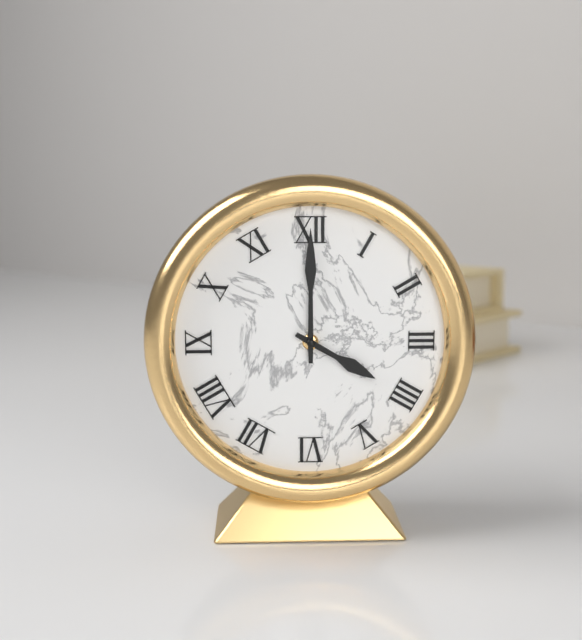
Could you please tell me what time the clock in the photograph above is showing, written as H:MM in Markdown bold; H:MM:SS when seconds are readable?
**4:00**
